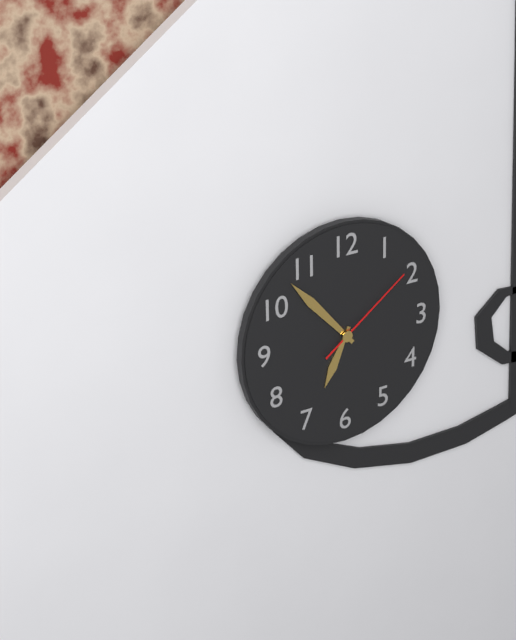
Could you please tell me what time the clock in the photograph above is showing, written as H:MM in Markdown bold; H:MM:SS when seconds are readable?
**6:53:09**
